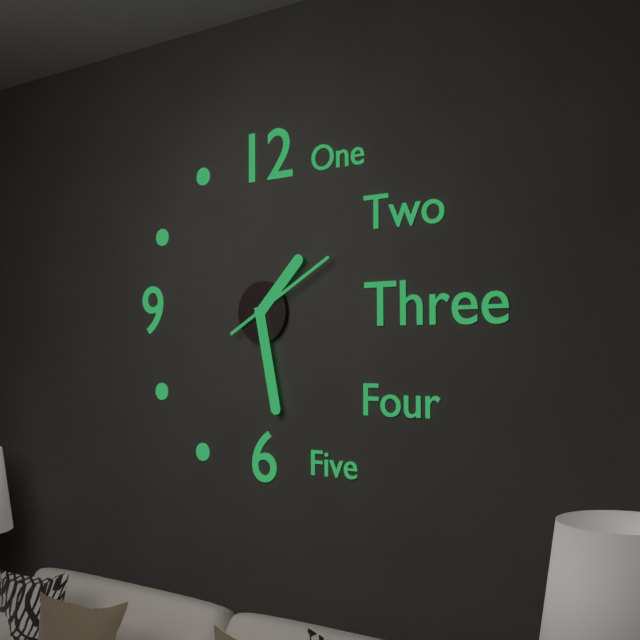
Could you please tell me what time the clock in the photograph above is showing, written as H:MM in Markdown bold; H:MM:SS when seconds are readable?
**1:28:10**
